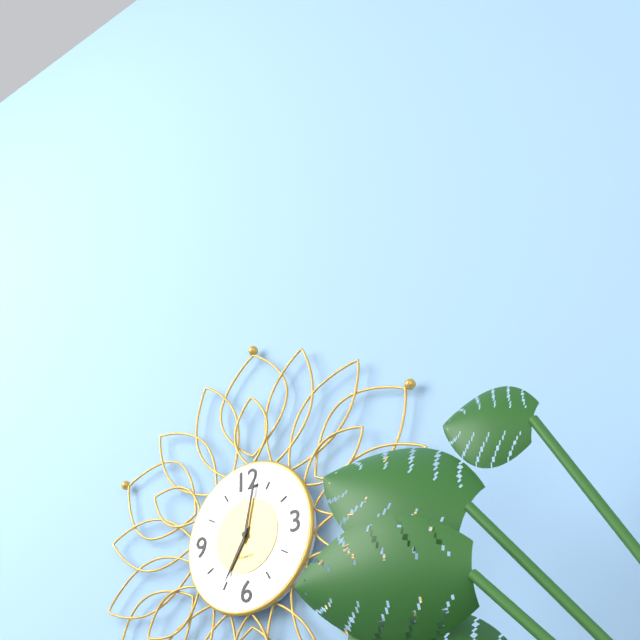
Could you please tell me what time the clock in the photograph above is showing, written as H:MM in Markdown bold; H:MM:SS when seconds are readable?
**7:02**
